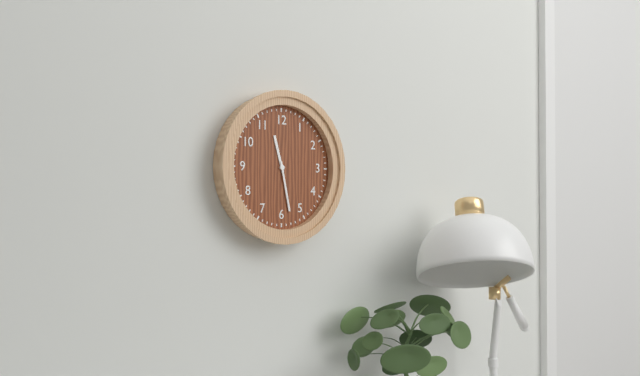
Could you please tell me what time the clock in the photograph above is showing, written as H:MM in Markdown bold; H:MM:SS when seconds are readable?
**11:28**
